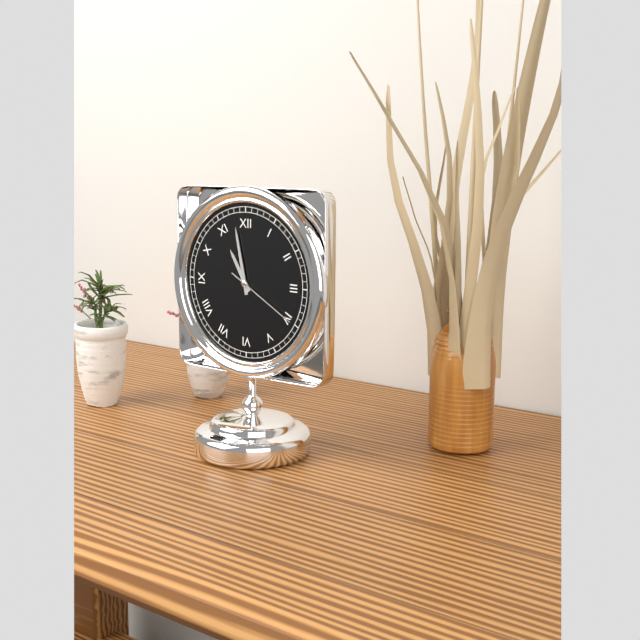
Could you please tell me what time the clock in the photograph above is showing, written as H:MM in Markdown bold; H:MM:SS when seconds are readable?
**10:58:20**
